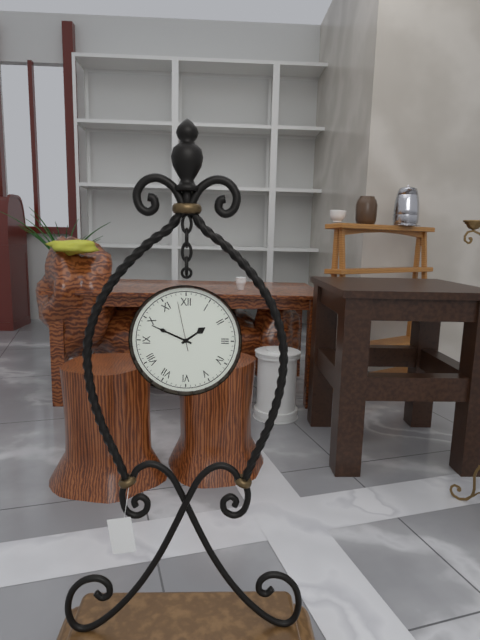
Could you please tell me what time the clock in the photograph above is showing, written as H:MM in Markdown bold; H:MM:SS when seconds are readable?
**1:49:58**
